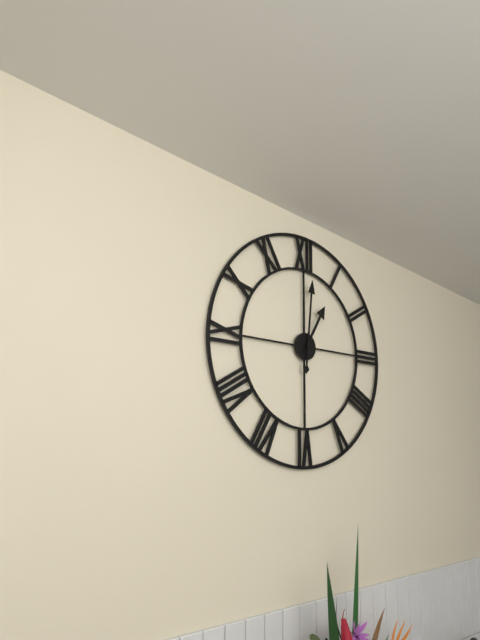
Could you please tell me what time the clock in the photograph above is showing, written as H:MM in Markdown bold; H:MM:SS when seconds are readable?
**1:01**
